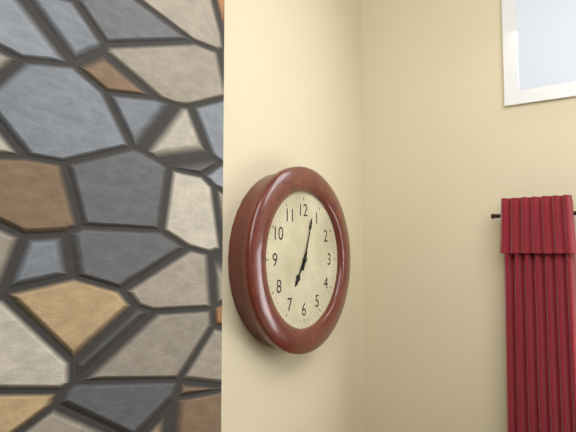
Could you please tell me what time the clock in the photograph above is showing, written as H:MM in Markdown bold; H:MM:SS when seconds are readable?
**7:03**
